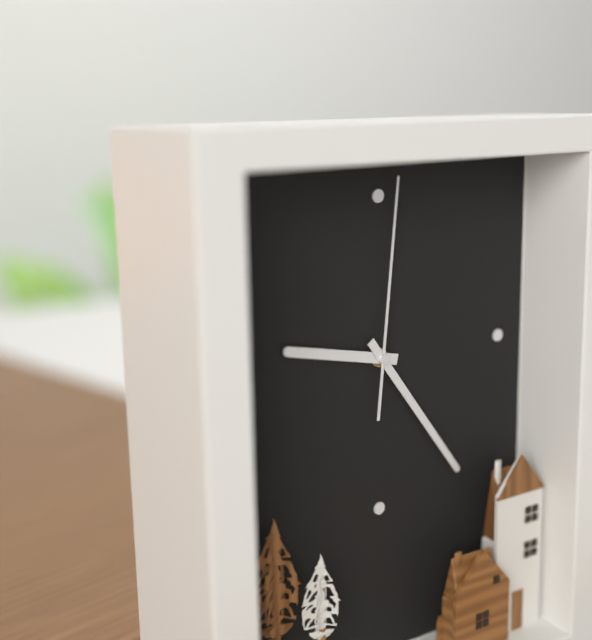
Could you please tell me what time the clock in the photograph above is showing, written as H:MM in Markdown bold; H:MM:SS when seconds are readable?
**9:24:01**
